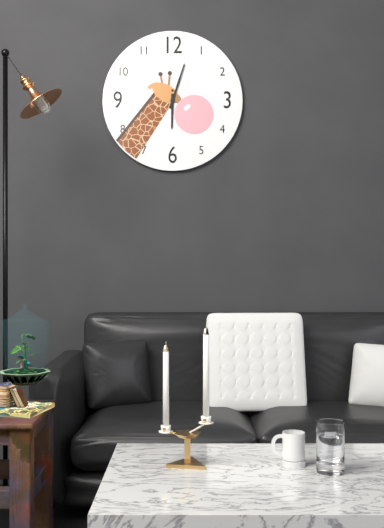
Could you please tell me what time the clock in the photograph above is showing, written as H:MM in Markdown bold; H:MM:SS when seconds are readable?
**6:03**
